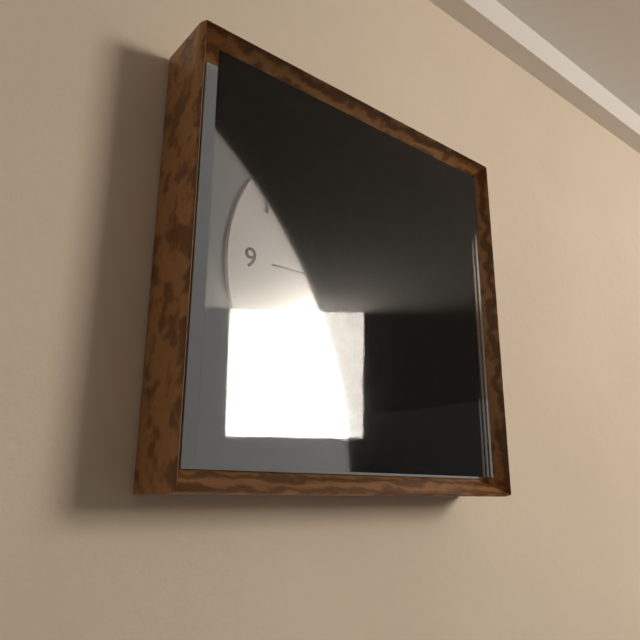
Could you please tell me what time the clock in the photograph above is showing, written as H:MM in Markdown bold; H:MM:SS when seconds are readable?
**2:04:02**
